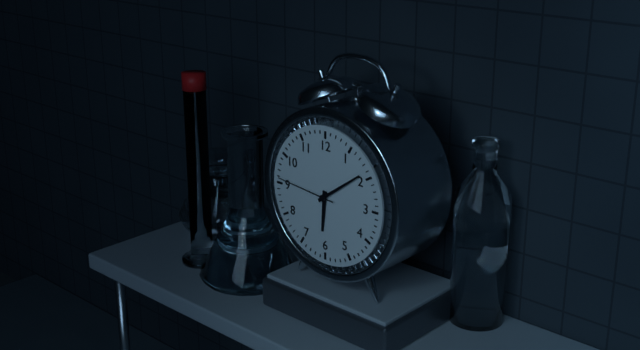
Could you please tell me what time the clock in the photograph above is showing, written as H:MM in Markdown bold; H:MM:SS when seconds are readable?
**6:09:46**
